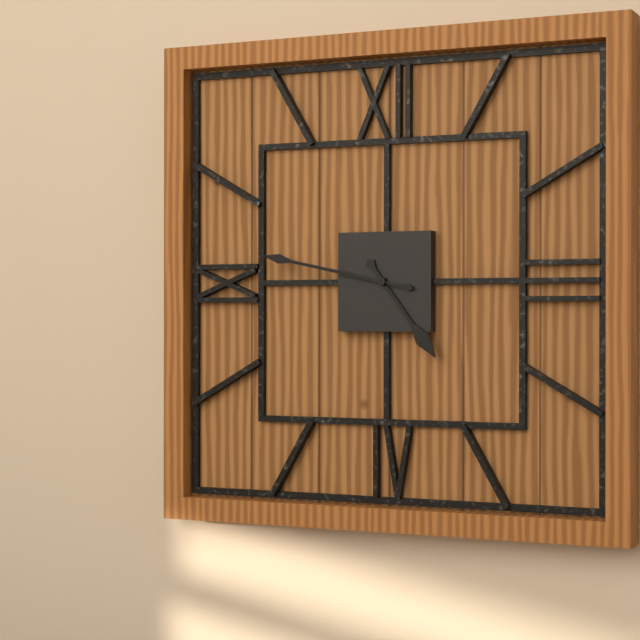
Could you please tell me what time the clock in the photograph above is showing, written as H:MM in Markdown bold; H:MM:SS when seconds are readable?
**4:47**
